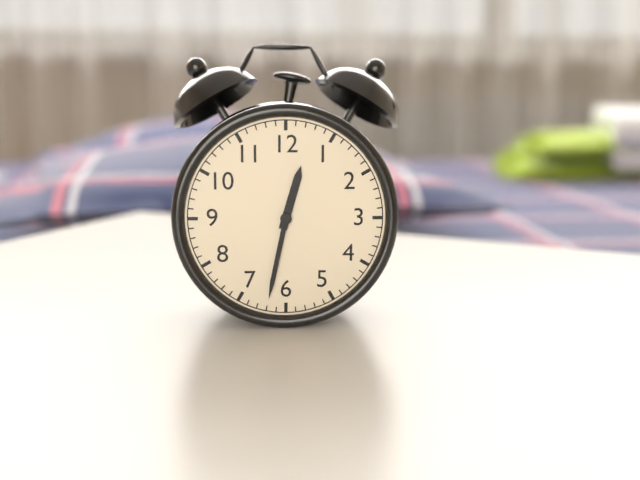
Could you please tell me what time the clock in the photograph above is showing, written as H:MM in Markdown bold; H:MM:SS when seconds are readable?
**12:32**
